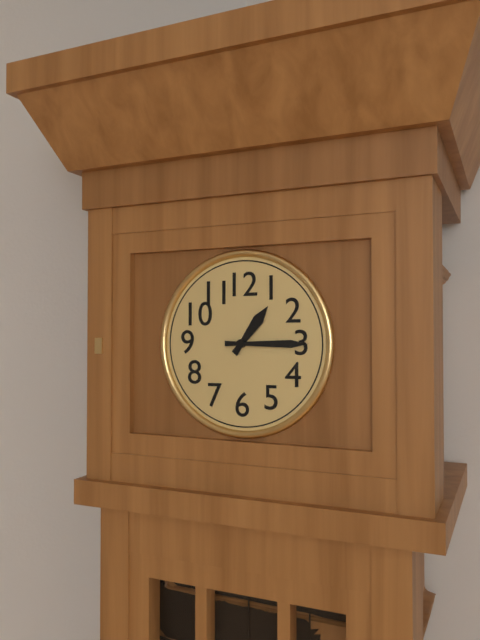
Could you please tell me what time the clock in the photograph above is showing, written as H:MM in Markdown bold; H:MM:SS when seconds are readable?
**1:15**
